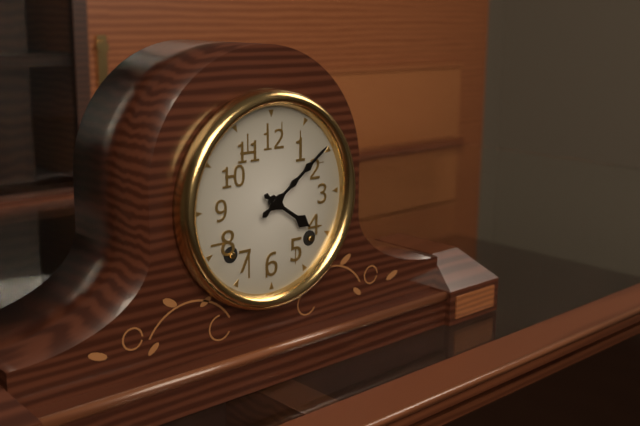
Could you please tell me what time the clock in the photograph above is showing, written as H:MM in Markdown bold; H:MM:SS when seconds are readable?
**4:09**
